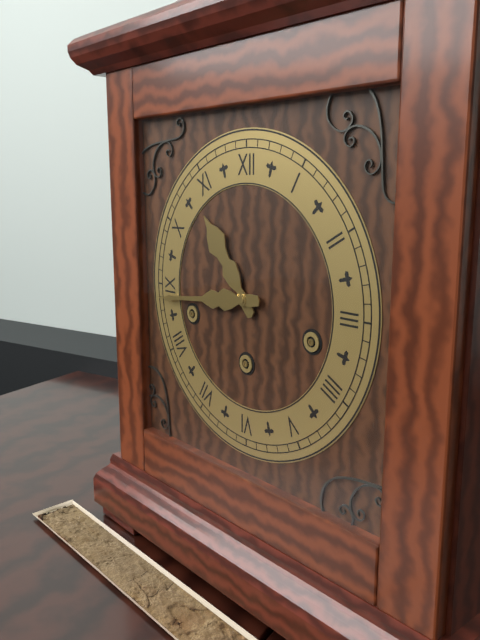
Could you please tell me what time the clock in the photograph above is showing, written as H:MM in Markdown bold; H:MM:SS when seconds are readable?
**10:44**
